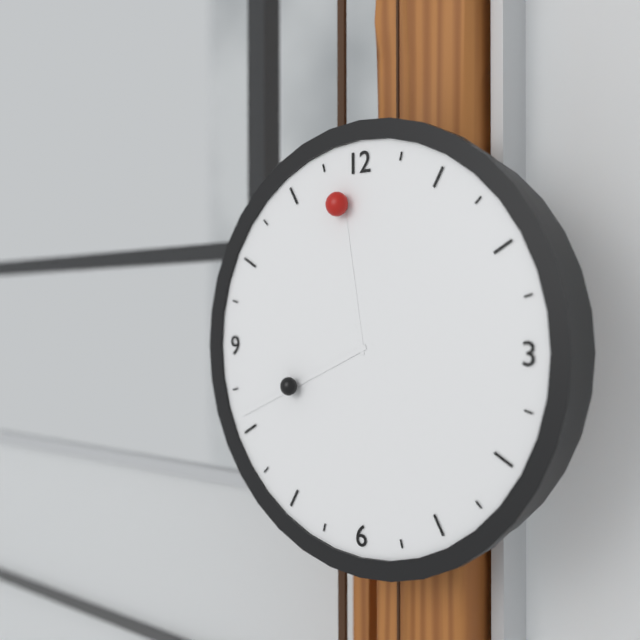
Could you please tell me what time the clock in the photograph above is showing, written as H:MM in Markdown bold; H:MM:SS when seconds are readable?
**11:41**
